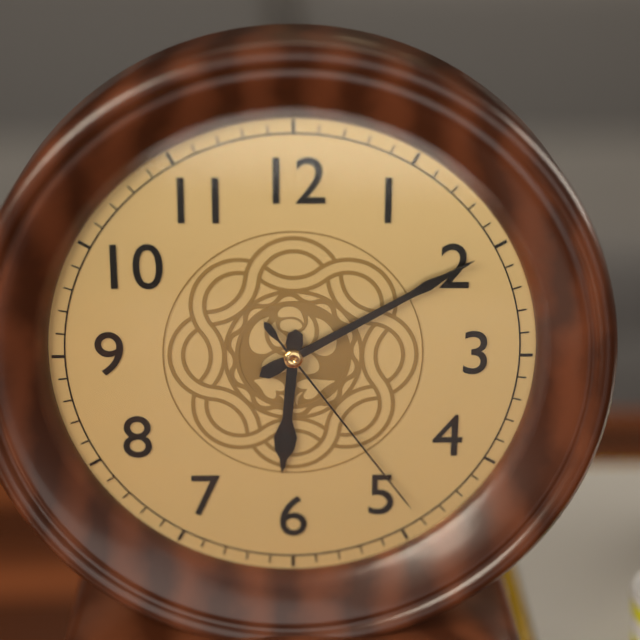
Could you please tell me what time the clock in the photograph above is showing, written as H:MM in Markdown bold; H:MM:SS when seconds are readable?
**6:10:24**
